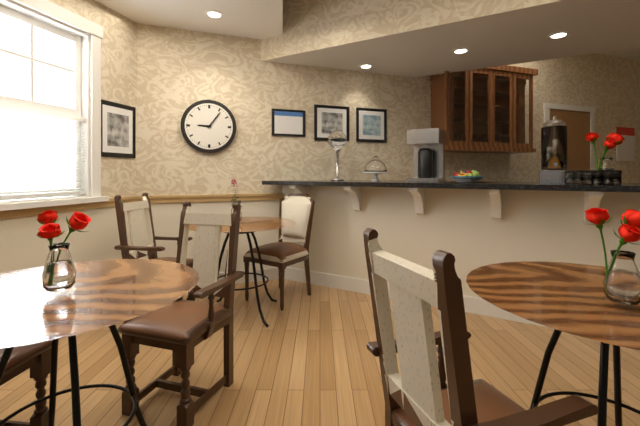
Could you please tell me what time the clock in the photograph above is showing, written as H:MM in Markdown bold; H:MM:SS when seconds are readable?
**9:06**
